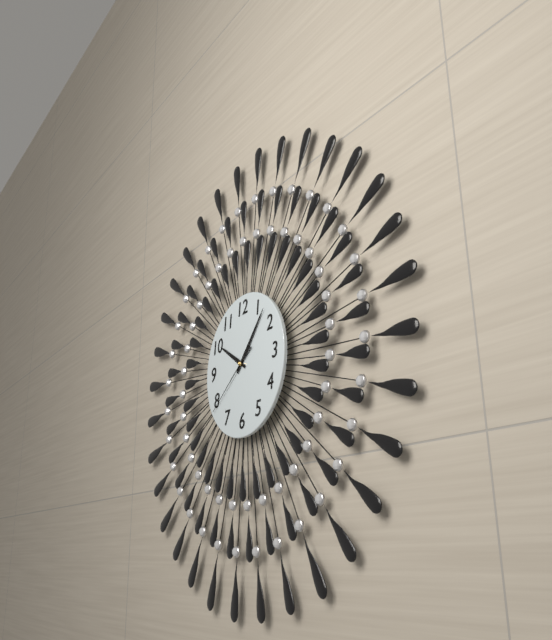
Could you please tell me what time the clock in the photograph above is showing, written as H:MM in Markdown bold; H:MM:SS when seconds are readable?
**10:07:39**
